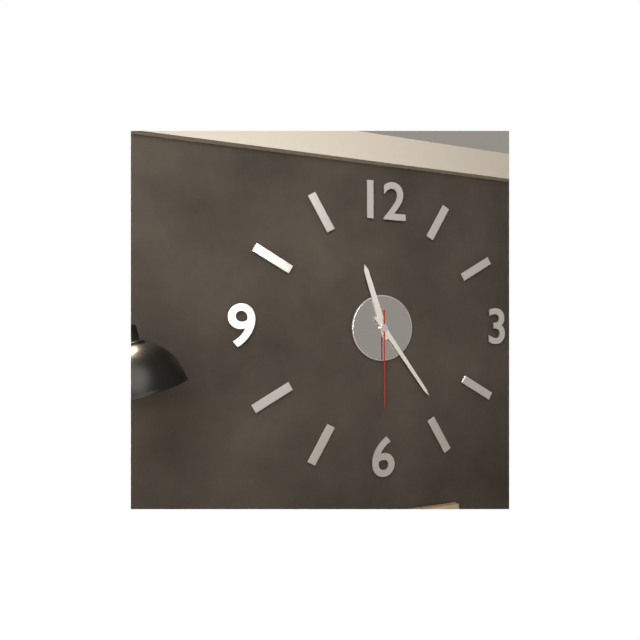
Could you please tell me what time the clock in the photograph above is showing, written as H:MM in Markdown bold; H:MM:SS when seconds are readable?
**11:24:30**
